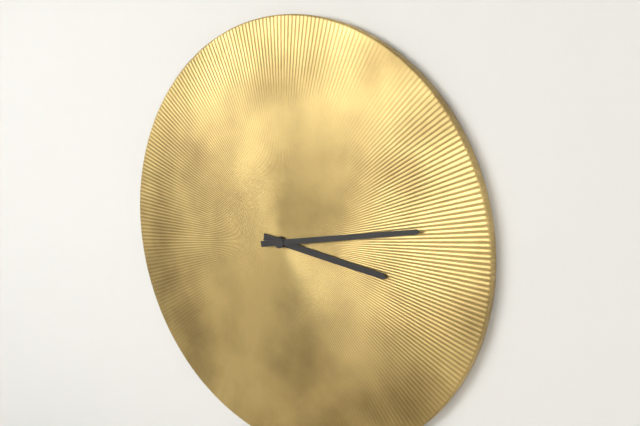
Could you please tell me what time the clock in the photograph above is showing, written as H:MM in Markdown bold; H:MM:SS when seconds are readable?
**3:13**
